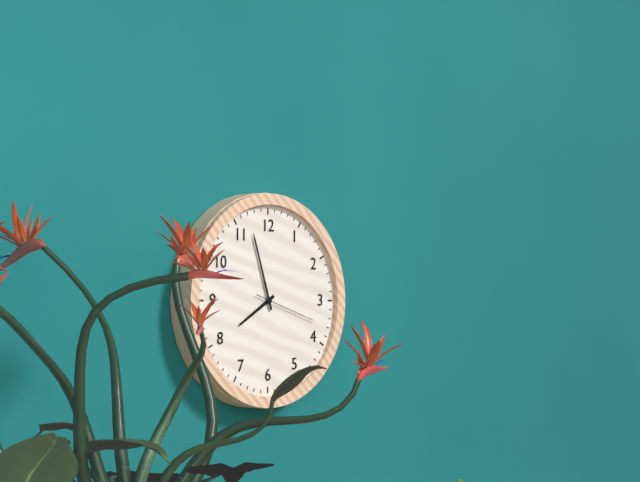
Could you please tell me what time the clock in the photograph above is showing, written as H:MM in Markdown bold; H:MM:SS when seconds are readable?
**7:57:18**
